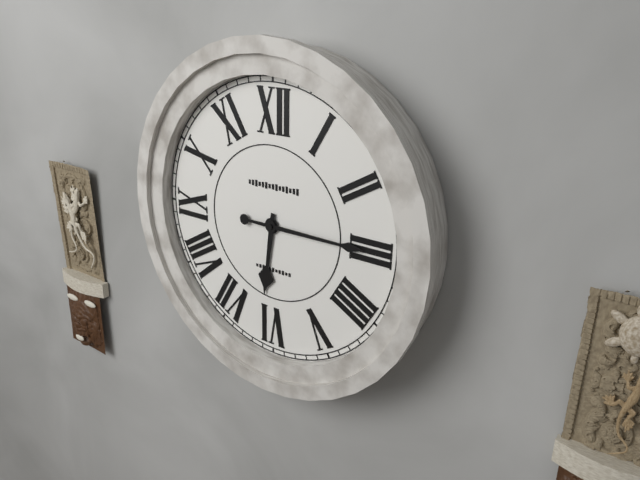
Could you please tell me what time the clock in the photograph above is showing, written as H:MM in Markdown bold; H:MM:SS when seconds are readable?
**6:15**
